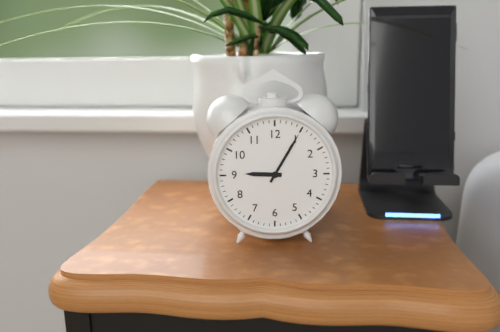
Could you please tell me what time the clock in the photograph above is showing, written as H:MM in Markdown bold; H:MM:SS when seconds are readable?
**9:05**
